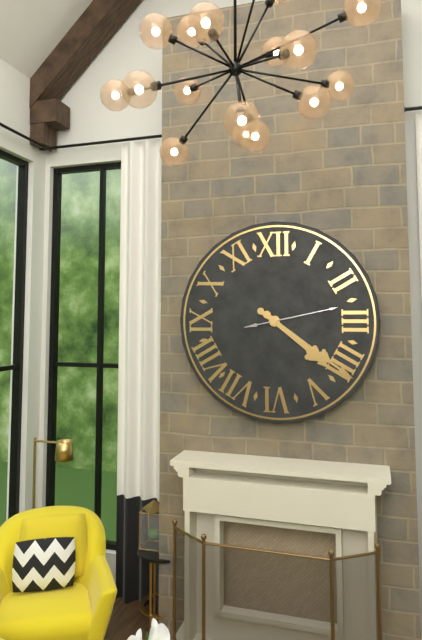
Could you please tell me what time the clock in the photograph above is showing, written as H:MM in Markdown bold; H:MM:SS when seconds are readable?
**4:21:13**
